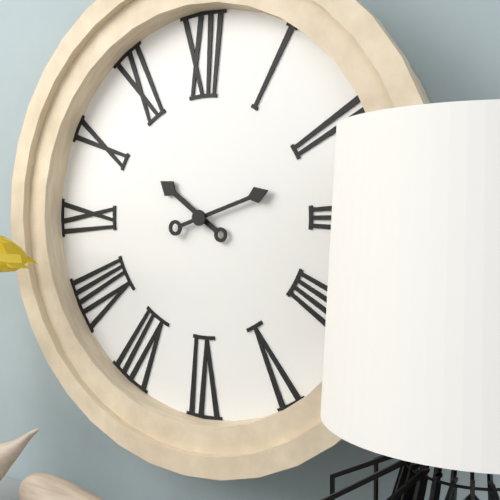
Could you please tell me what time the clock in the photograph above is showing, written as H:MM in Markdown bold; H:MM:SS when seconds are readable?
**10:12**
